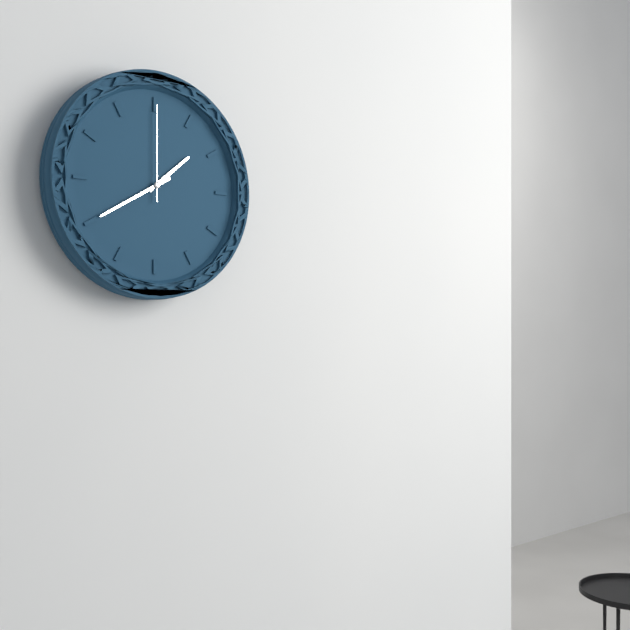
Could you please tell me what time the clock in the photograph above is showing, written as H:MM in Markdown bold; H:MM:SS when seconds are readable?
**1:40:00**
